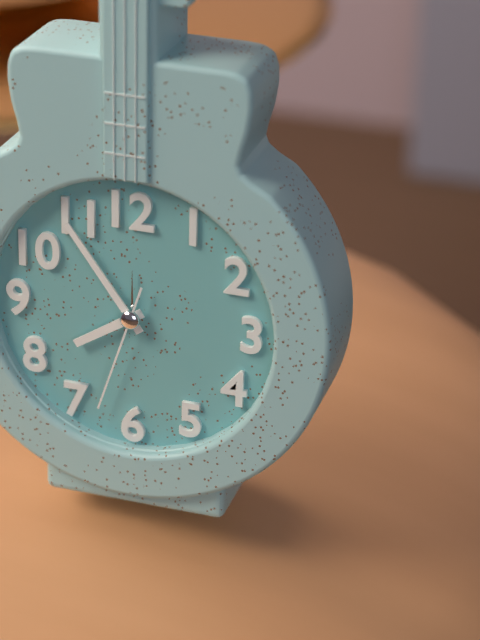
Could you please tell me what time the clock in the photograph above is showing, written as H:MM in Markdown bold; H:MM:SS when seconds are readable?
**7:54:33**
